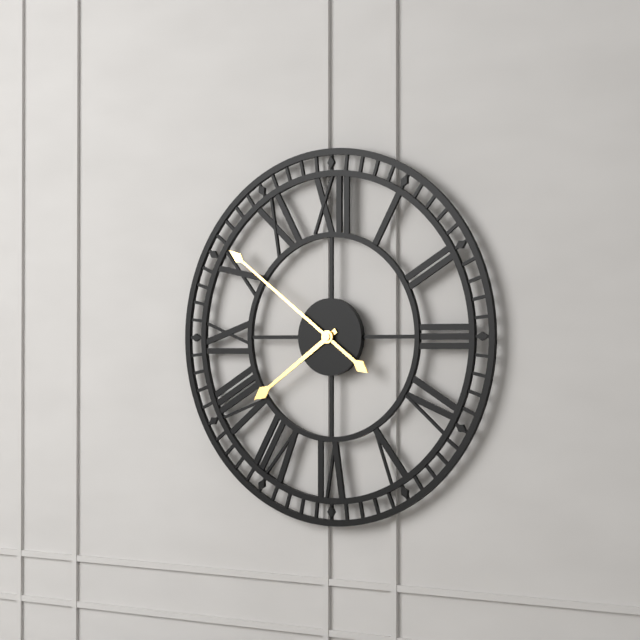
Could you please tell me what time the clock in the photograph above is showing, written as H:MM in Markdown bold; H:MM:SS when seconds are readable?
**7:51**
